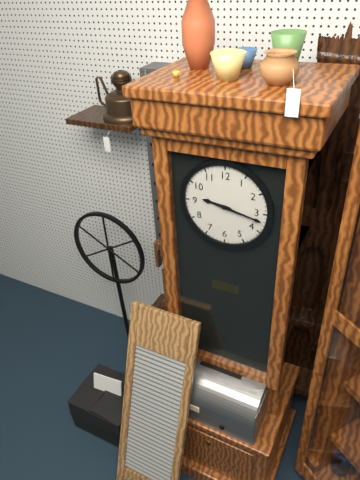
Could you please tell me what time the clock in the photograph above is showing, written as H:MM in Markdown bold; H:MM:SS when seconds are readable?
**9:17**
